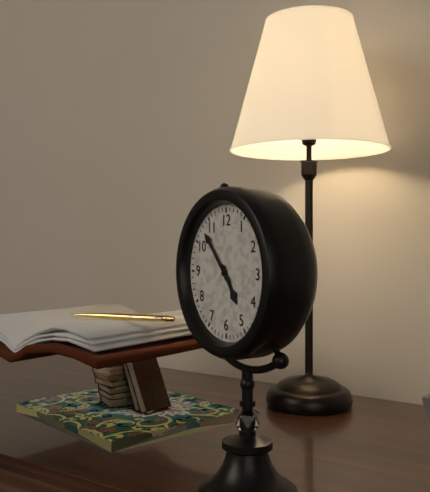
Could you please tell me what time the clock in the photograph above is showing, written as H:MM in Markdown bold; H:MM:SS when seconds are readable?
**4:53**
